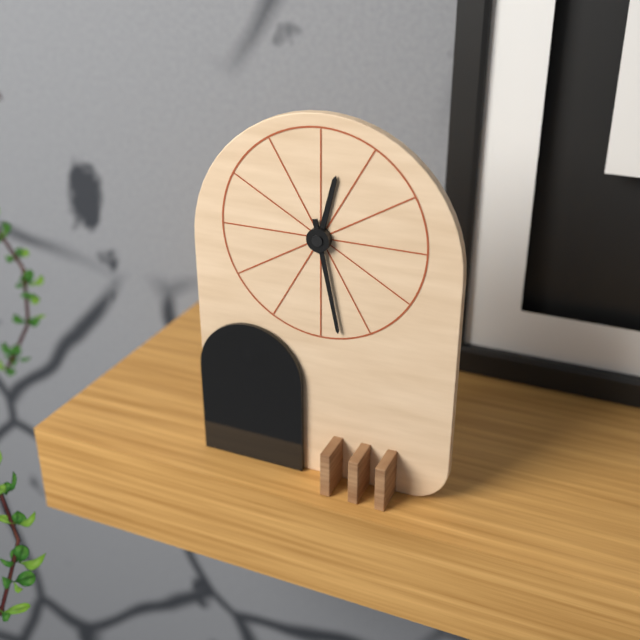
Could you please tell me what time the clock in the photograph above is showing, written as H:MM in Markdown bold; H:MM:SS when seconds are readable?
**12:28**
